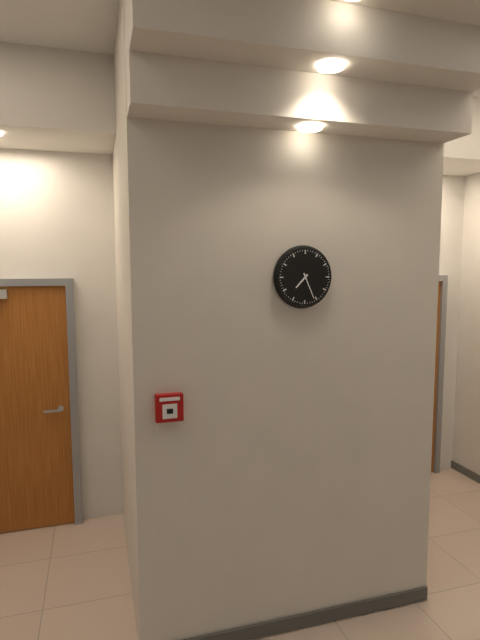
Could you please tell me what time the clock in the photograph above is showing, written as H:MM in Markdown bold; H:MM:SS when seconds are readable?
**7:26**
